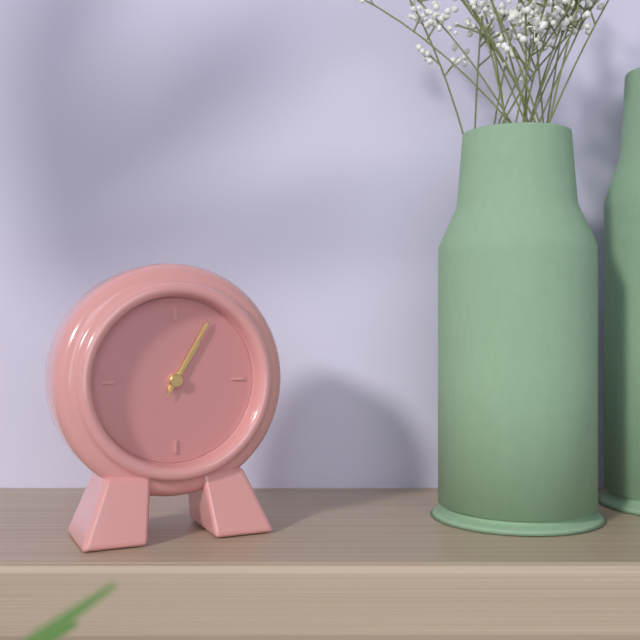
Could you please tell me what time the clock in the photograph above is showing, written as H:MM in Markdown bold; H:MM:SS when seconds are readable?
**1:05:05**
